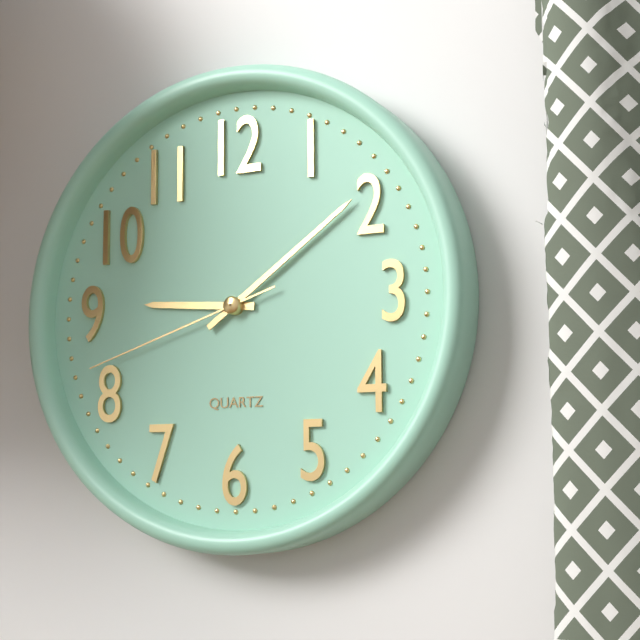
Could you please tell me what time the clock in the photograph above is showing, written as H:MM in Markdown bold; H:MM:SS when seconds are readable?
**9:09:42**
